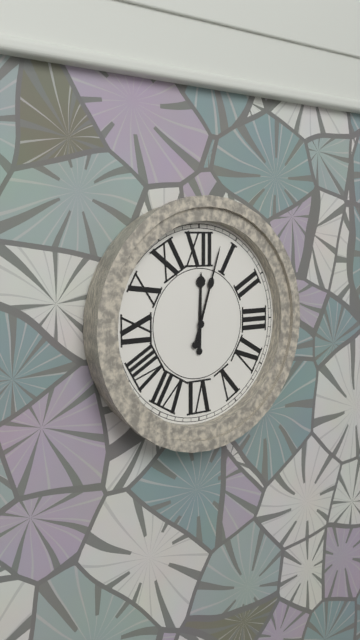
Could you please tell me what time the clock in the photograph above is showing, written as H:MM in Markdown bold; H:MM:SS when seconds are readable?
**12:03**
